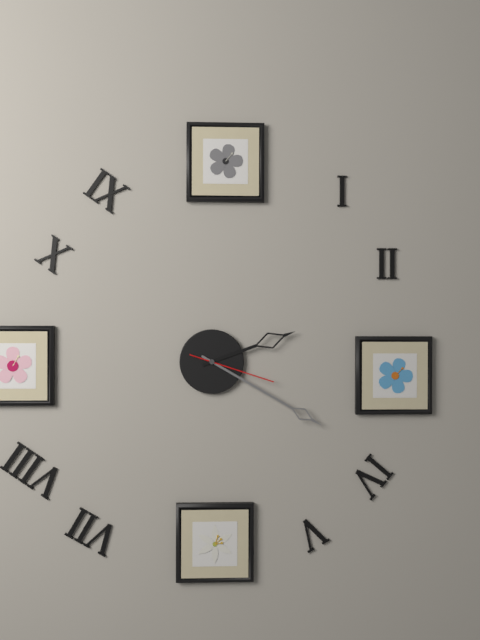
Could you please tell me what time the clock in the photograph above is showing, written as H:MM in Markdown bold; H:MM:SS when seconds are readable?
**2:20:18**
